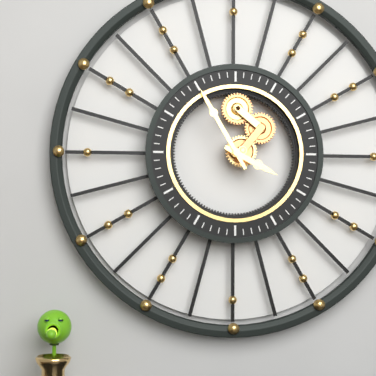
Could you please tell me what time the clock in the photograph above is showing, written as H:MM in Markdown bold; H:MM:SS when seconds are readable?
**3:55**
